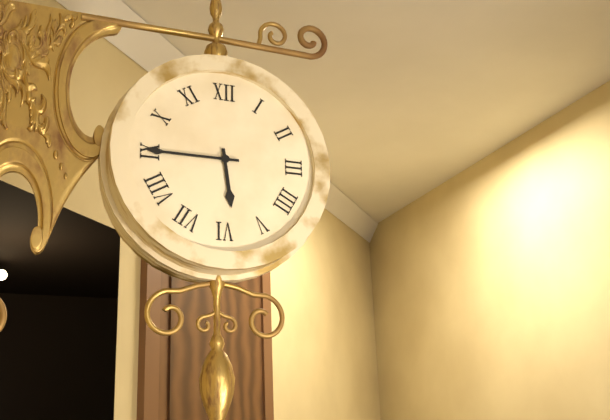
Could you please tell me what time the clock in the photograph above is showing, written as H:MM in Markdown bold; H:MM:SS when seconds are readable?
**5:45**
